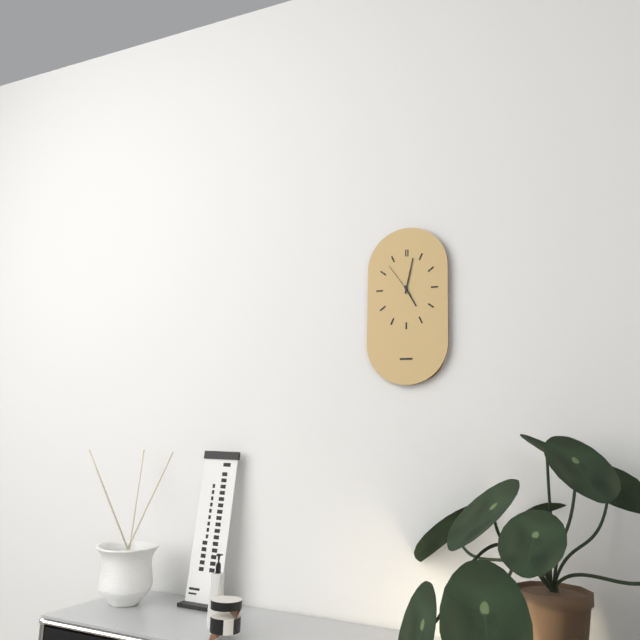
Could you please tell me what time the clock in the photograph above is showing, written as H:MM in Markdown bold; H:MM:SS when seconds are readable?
**5:02**
